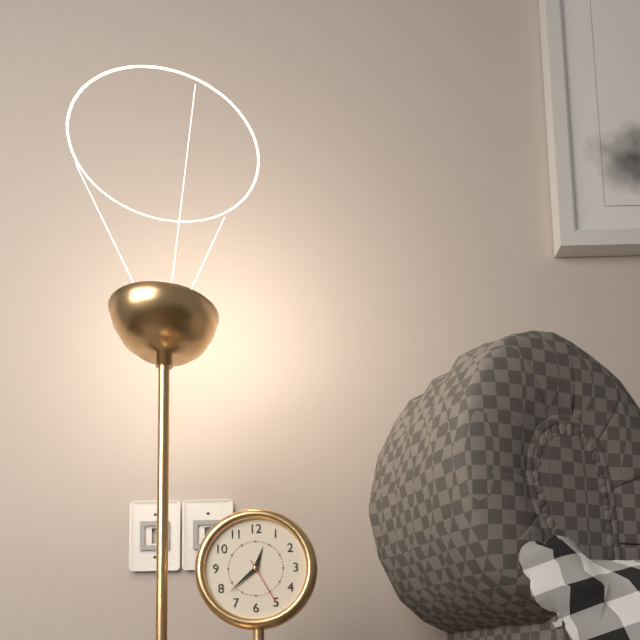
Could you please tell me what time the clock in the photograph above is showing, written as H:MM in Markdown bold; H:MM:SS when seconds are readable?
**12:38:25**
